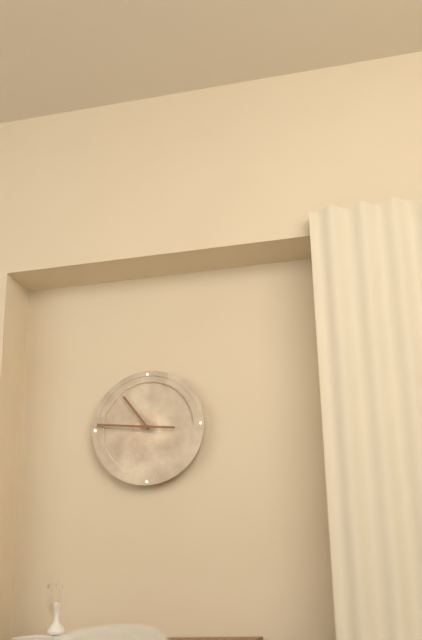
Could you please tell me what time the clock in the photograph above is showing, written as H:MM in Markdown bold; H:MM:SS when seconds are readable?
**10:46**
